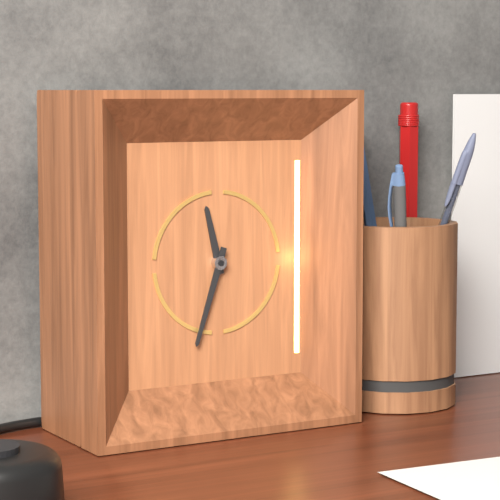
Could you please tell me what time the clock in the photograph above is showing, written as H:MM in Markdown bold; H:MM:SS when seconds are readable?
**11:33**
